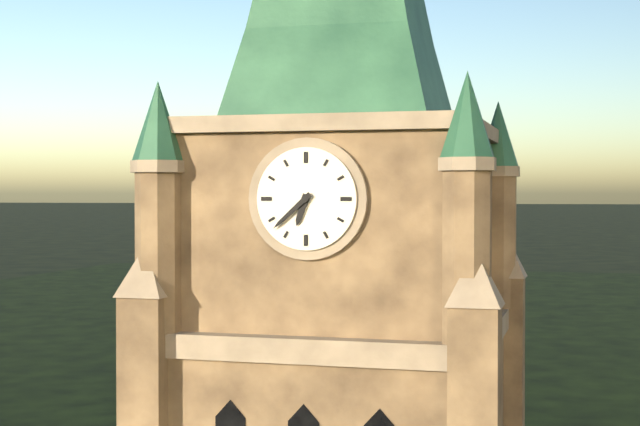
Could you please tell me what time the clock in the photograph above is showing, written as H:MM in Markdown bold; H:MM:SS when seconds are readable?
**6:38**
